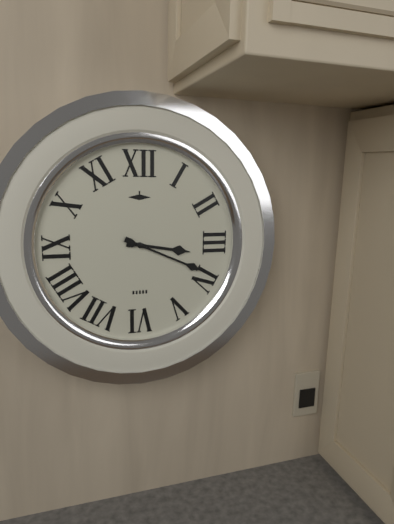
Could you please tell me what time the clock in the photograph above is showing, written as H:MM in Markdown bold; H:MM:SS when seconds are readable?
**3:19**
